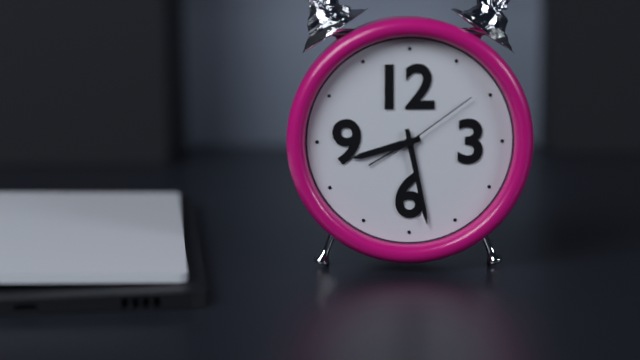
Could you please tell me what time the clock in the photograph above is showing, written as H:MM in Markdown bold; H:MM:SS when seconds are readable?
**8:28:09**
